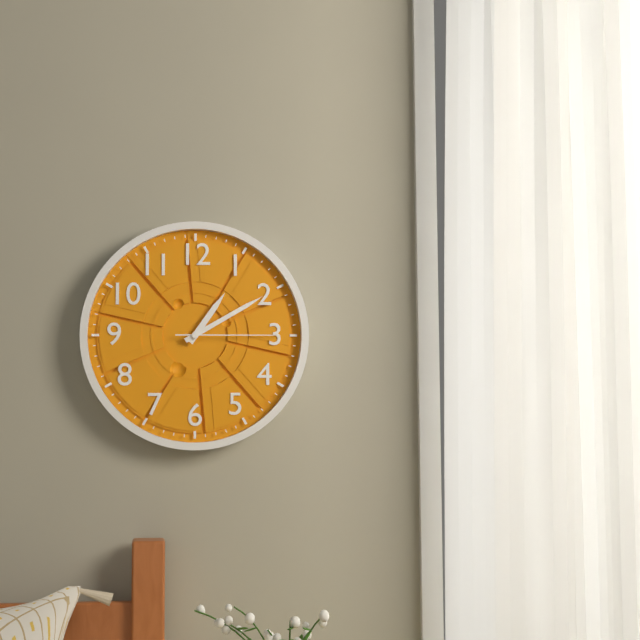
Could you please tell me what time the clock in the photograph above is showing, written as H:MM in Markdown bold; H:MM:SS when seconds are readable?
**1:10:15**
